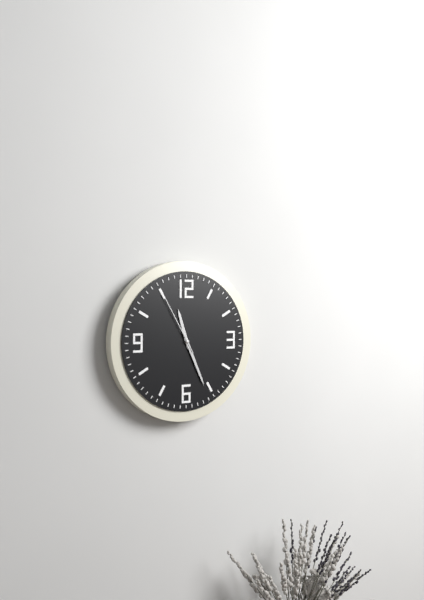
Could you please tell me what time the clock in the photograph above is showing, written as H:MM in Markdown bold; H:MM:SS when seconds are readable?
**11:26:55**
